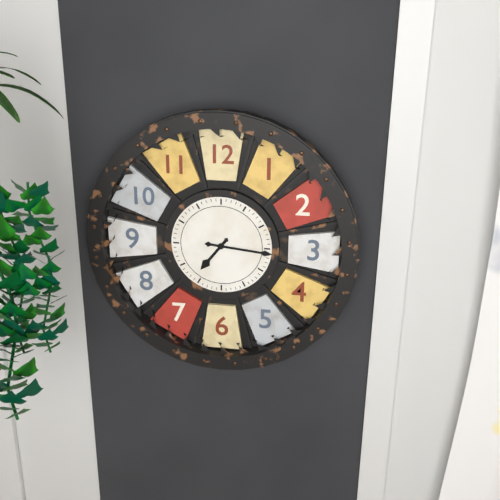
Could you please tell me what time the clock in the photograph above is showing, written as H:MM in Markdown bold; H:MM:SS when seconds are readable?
**7:16**
